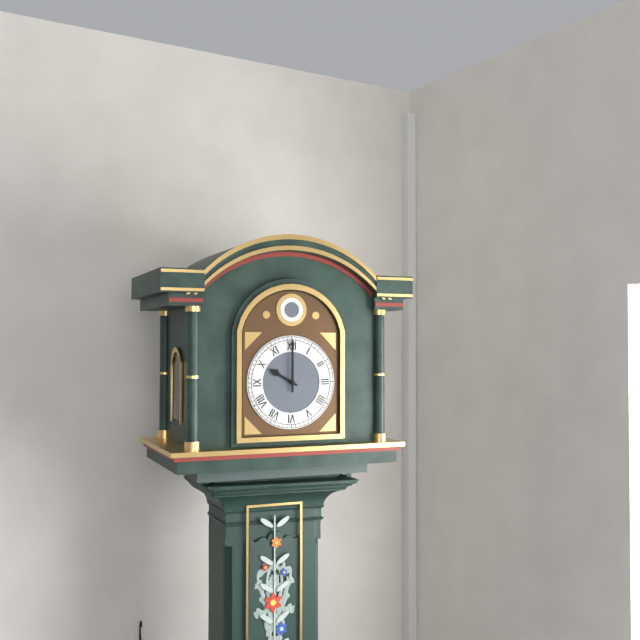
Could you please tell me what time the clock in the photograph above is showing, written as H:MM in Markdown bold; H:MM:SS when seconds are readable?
**10:00**
